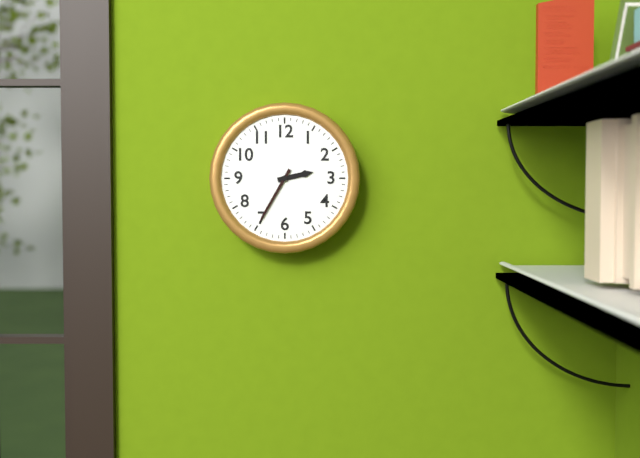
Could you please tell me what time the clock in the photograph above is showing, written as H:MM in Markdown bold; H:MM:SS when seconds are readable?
**2:35**
